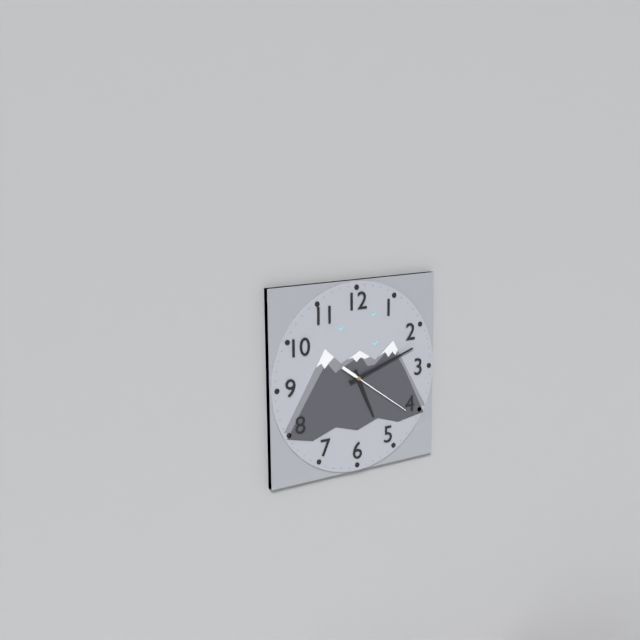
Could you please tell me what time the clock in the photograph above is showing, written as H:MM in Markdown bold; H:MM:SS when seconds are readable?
**5:12:21**
